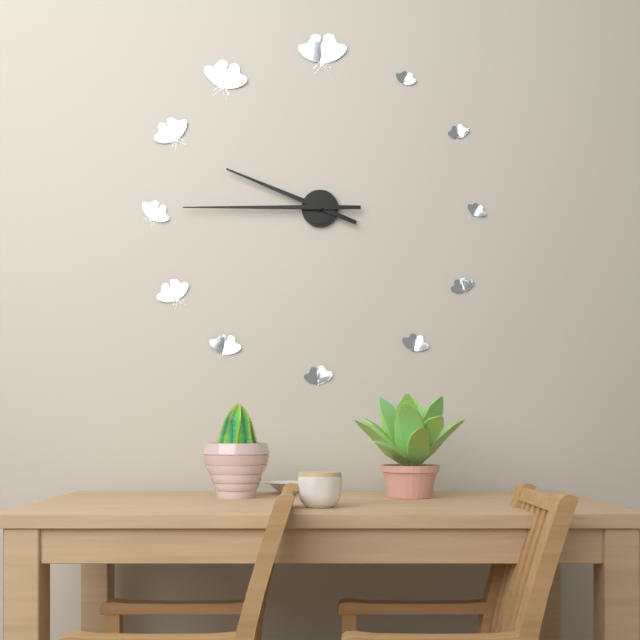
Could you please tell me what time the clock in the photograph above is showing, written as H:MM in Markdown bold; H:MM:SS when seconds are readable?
**9:45**
